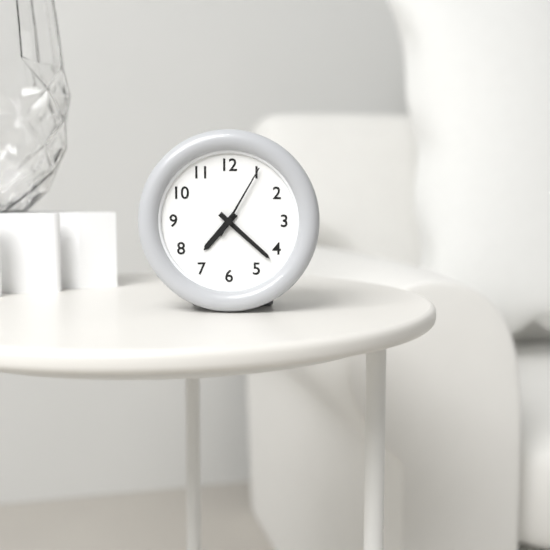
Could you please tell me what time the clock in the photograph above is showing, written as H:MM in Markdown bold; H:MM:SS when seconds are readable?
**7:22:05**
